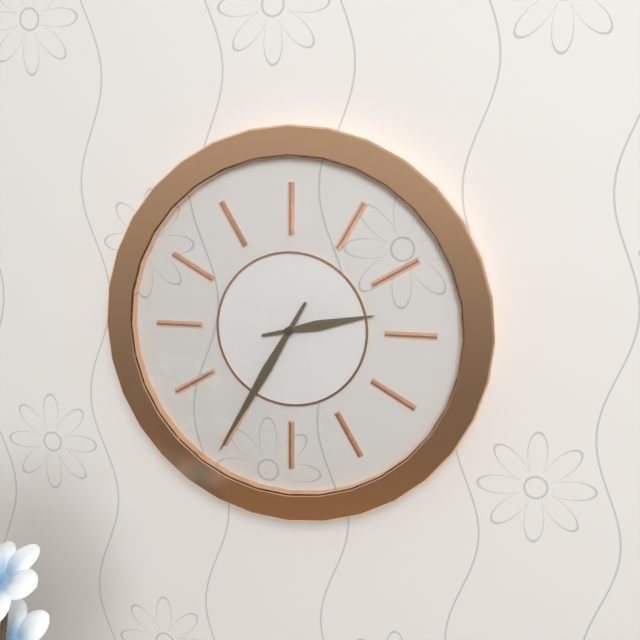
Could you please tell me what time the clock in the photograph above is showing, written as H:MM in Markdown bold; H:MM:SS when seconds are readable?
**2:35**
